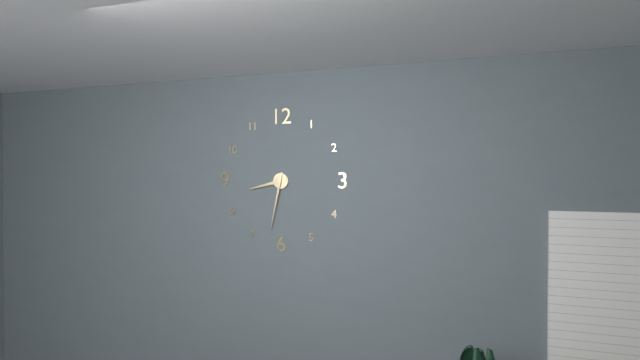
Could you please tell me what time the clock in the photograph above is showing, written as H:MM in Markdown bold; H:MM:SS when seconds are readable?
**8:32**
